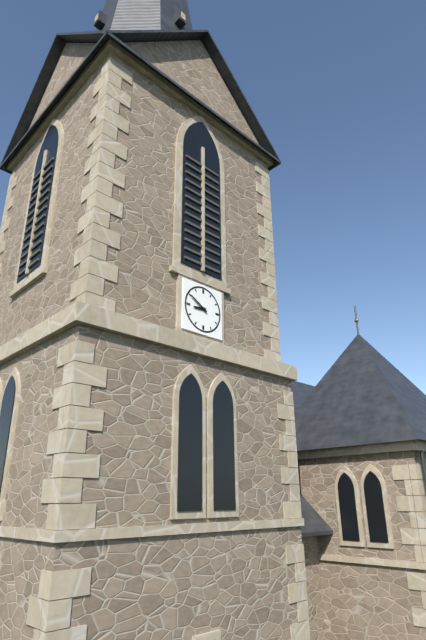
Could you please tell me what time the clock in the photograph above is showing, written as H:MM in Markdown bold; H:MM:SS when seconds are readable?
**8:50**
